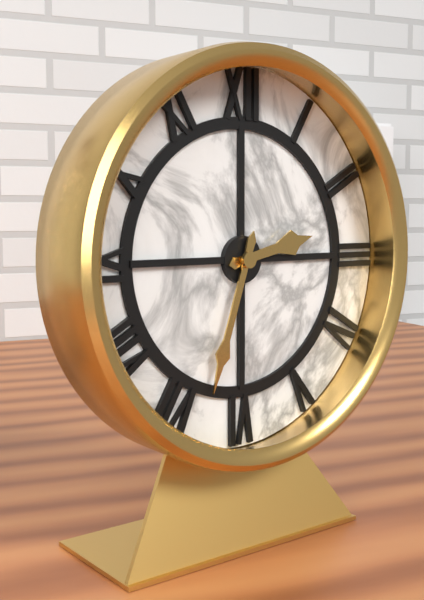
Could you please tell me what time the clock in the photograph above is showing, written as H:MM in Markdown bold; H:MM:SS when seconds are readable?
**2:33**
